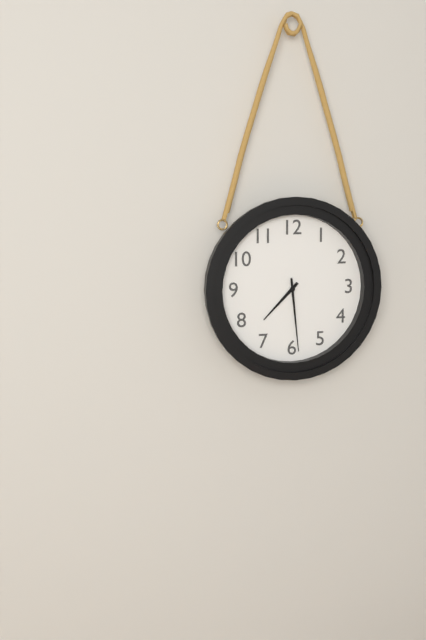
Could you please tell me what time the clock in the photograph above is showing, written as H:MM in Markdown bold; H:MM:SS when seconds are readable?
**7:29**
